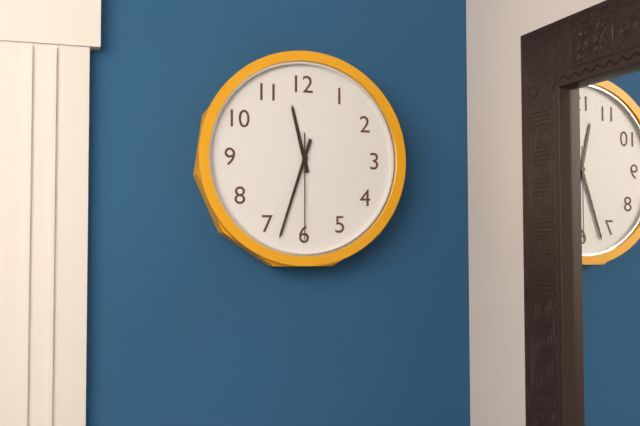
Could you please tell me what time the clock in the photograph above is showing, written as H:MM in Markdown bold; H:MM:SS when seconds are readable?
**11:33:30**
